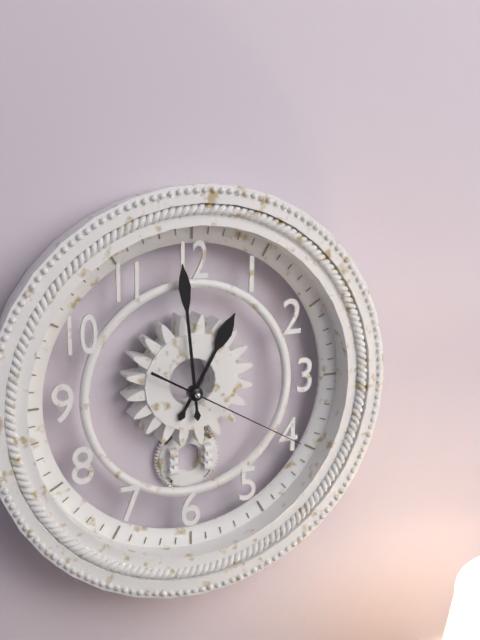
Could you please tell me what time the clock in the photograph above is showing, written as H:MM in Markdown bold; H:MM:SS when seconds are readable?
**12:59:20**
